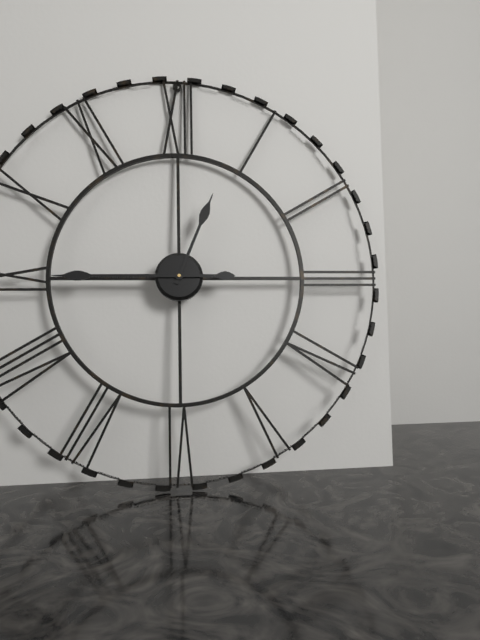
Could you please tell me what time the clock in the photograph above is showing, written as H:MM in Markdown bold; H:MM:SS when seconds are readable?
**12:45**
